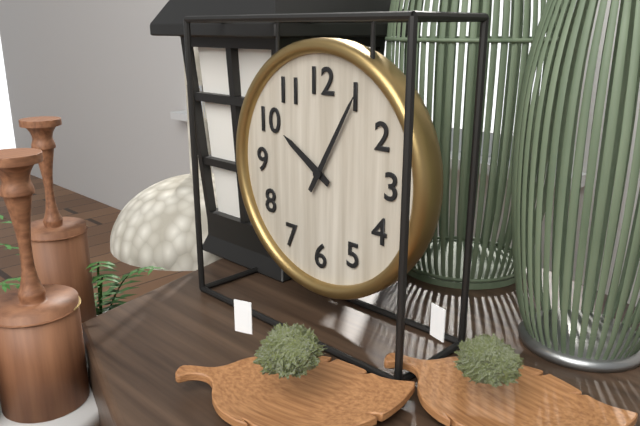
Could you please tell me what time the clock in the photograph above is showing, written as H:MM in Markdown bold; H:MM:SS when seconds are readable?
**10:05**
